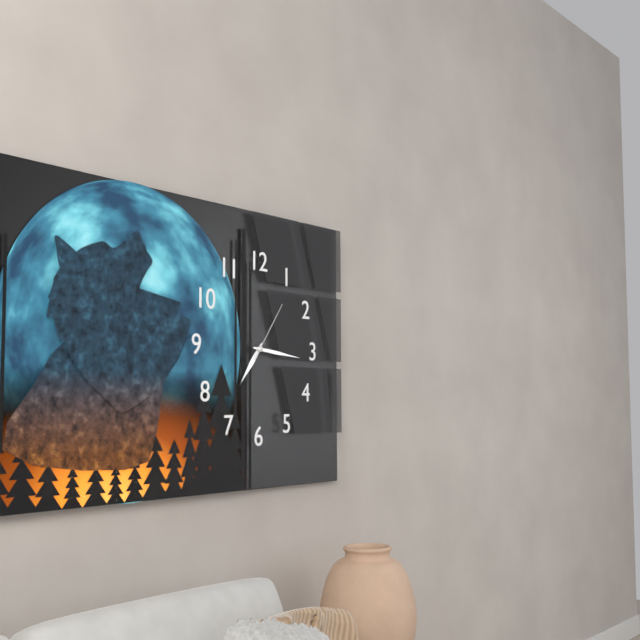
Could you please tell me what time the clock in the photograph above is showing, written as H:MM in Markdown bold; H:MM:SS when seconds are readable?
**7:16:06**
